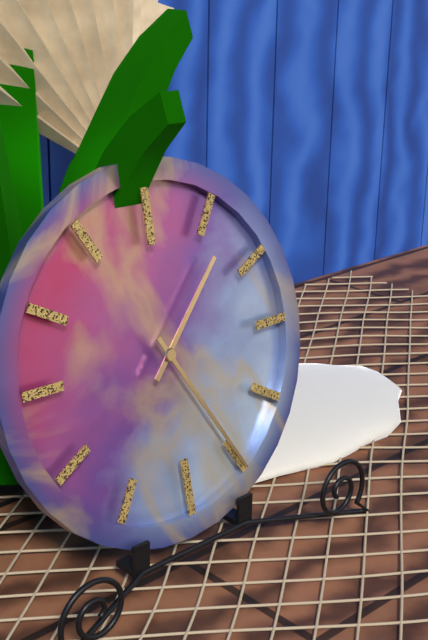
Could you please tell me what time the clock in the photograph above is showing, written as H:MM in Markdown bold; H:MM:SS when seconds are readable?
**1:25**
